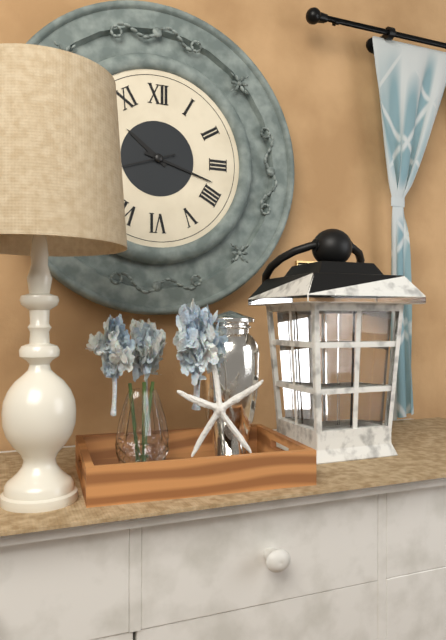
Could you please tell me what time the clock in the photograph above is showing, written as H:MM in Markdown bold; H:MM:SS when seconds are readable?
**10:18**
